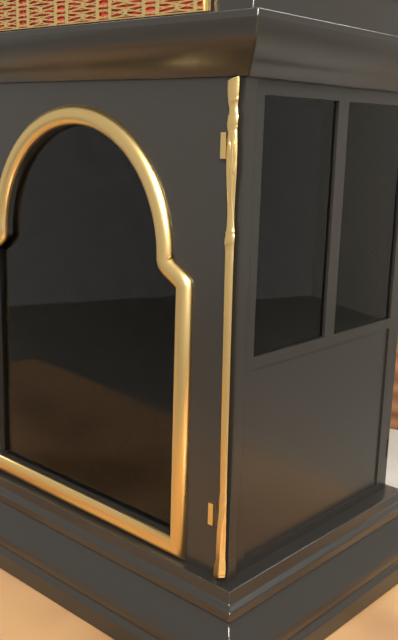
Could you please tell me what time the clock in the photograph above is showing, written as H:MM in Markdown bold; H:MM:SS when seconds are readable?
**8:58**
